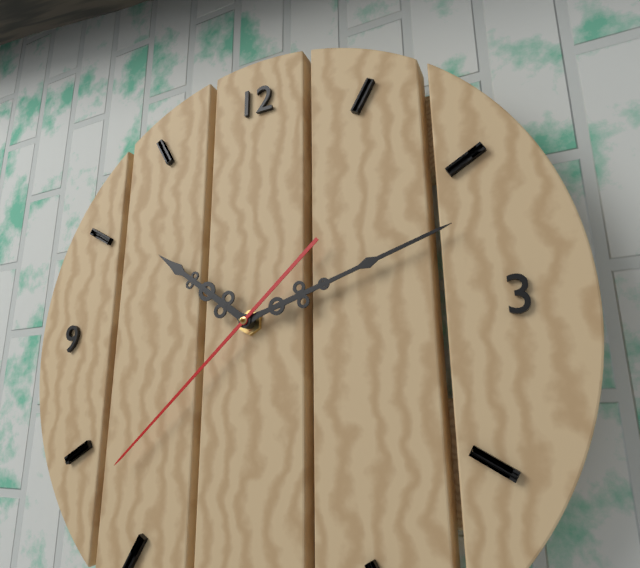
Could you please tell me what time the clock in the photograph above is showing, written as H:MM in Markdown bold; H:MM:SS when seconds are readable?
**10:12:38**
